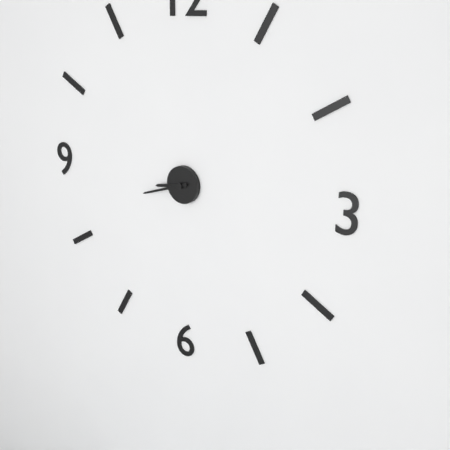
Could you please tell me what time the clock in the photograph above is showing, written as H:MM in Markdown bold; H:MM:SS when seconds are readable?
**8:42**
